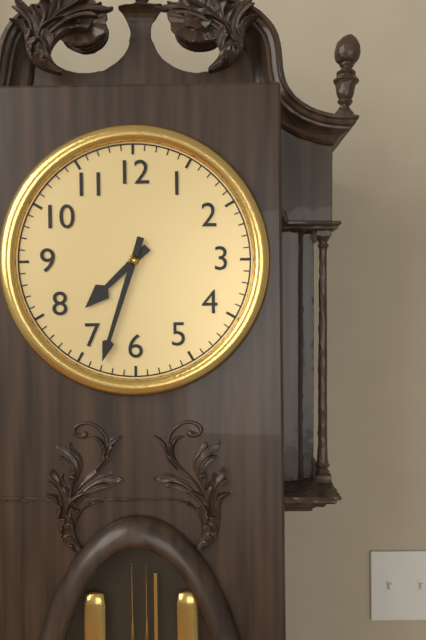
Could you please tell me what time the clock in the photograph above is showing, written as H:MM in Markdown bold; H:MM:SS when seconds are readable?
**7:33**
